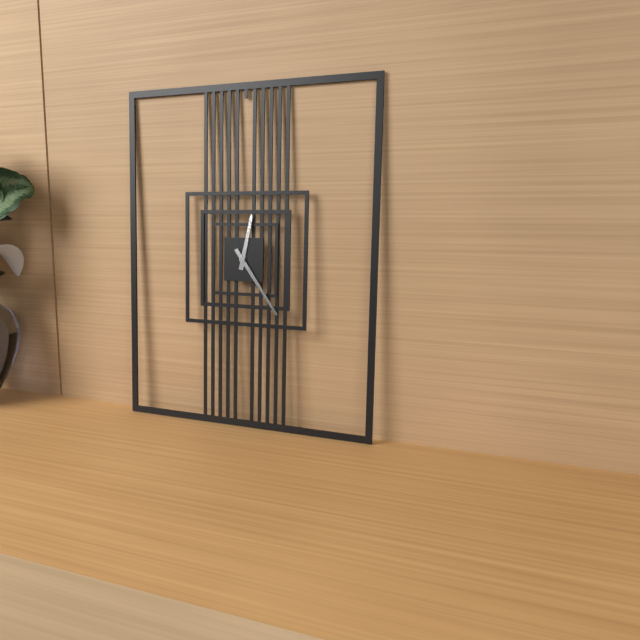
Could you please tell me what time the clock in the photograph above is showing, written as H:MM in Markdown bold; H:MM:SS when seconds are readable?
**12:24**
